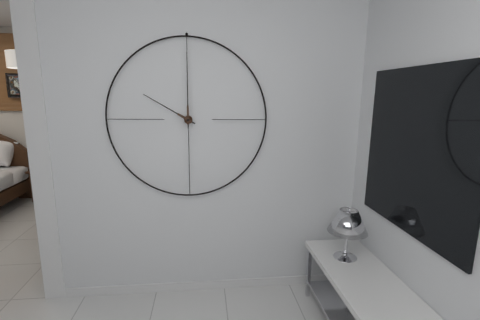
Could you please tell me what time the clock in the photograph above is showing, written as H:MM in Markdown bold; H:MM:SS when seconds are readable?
**10:00**
